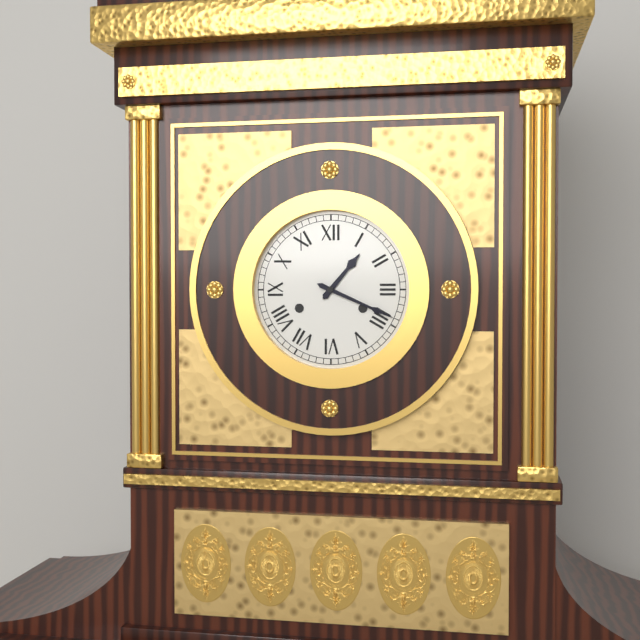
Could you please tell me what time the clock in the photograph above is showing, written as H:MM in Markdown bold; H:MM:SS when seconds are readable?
**1:19**
